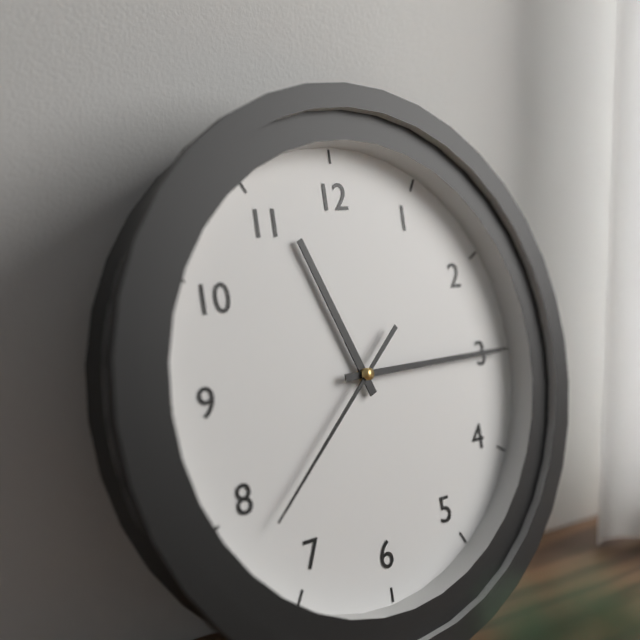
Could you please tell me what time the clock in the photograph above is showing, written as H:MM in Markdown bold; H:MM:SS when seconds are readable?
**11:15:38**
